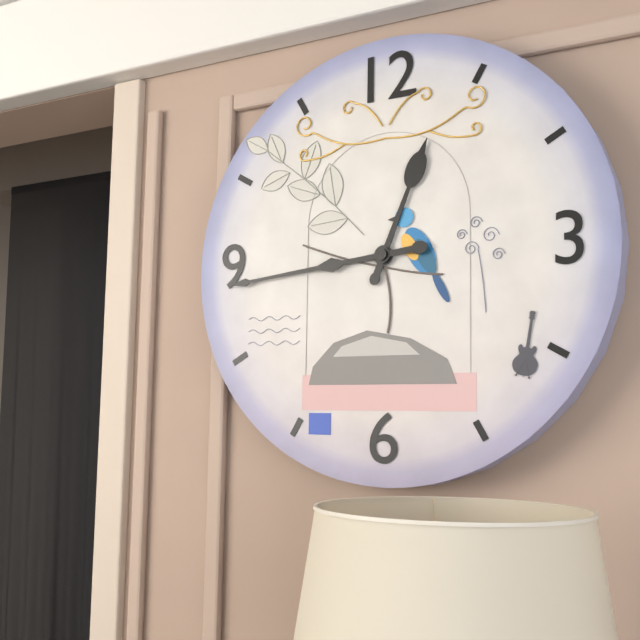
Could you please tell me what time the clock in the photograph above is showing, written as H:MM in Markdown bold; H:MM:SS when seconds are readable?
**12:44**
